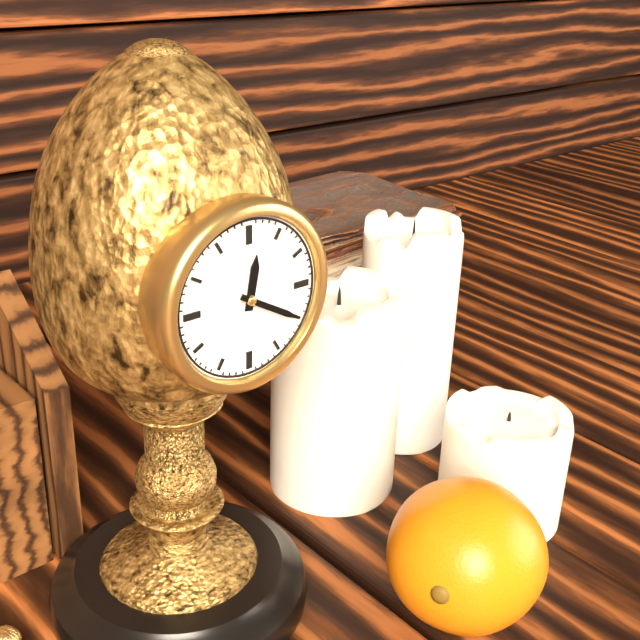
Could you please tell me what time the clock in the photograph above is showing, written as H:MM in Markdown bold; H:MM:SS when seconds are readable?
**12:20**
